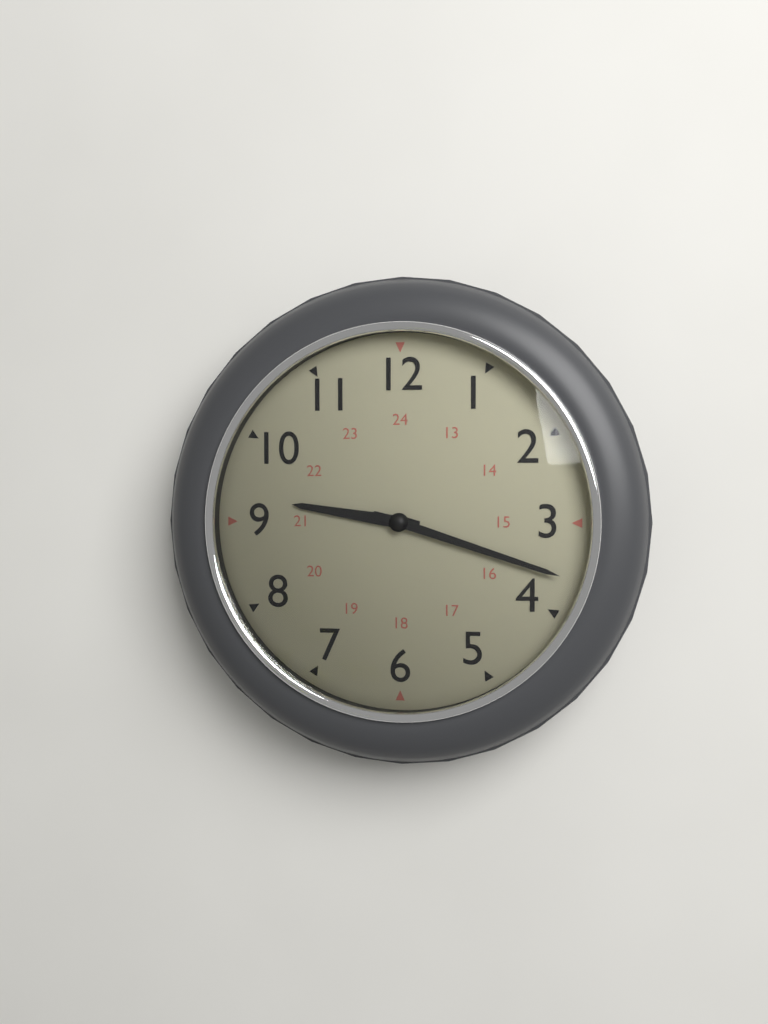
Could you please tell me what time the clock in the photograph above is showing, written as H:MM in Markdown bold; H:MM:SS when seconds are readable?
**9:18**
